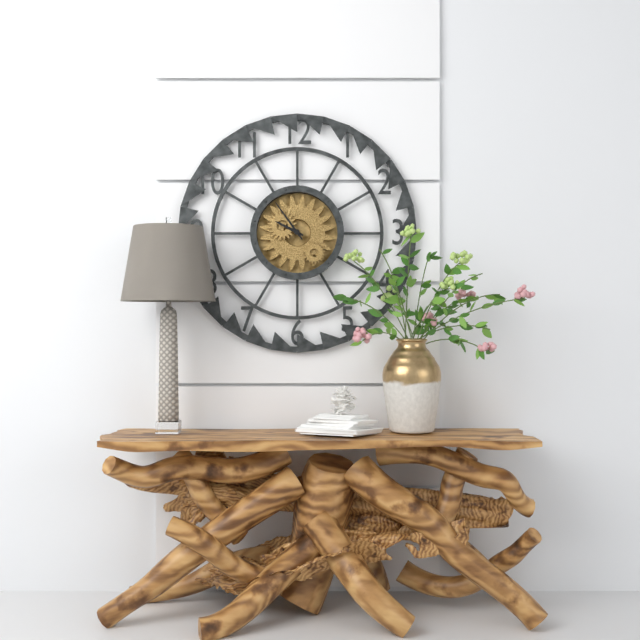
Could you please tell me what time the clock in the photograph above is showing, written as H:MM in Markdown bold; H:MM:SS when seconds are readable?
**9:54**
